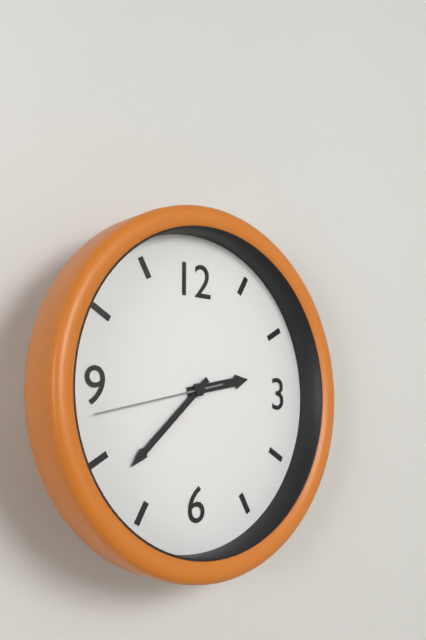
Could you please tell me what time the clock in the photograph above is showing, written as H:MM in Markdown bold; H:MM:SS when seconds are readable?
**2:38:43**
